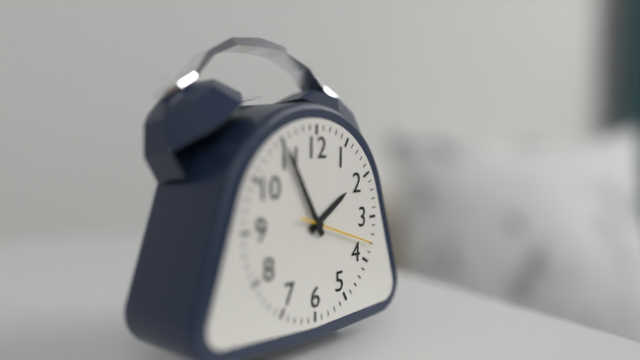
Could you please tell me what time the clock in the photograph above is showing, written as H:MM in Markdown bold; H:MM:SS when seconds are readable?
**1:55:18**
